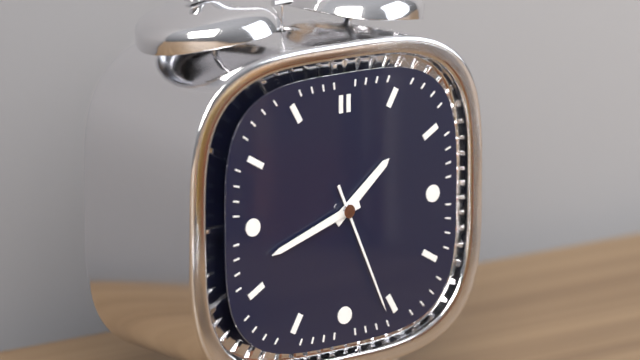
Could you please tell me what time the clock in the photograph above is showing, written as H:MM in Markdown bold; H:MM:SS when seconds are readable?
**1:42:26**
